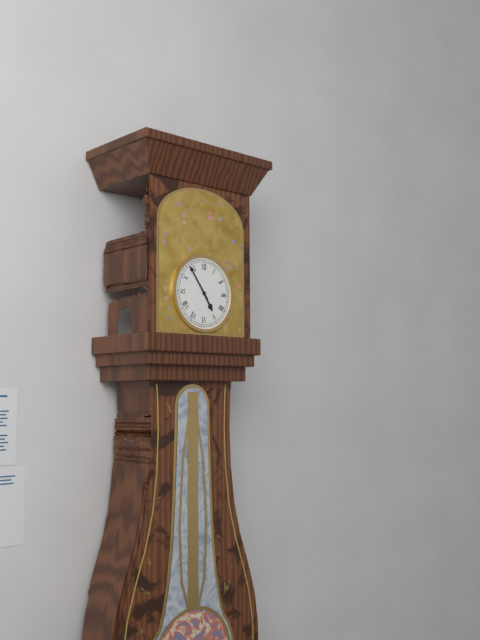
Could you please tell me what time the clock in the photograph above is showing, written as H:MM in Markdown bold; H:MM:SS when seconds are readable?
**4:54**
